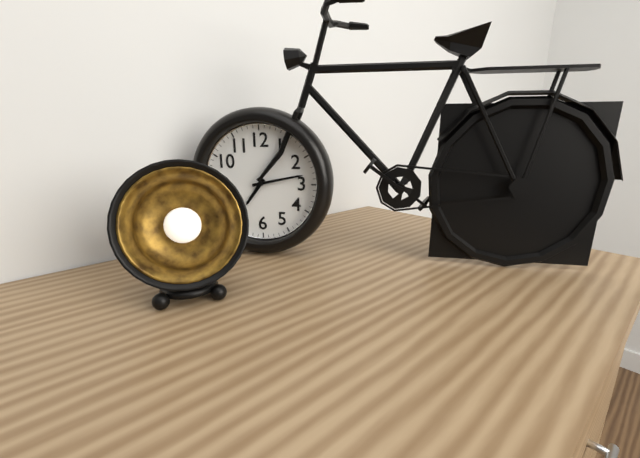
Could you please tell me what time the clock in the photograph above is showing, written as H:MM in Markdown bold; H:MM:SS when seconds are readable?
**7:13**
